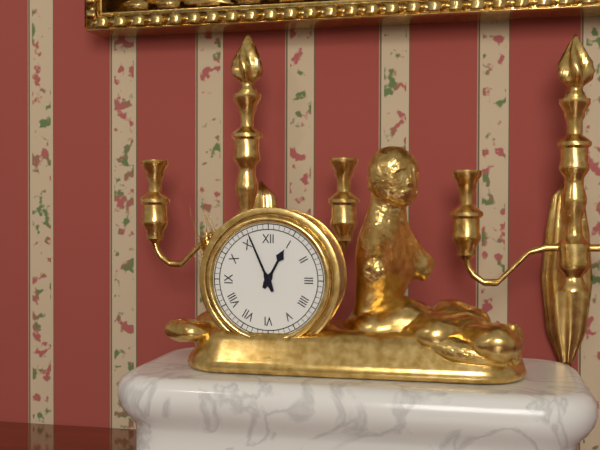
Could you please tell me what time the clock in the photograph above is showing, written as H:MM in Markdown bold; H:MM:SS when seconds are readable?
**12:56**
